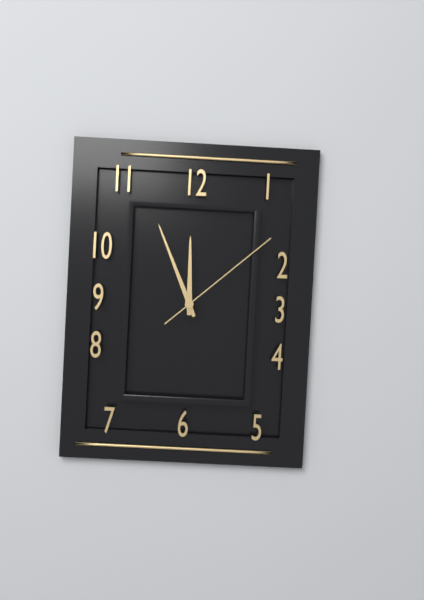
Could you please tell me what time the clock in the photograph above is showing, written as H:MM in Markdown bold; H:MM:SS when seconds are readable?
**11:56:08**
